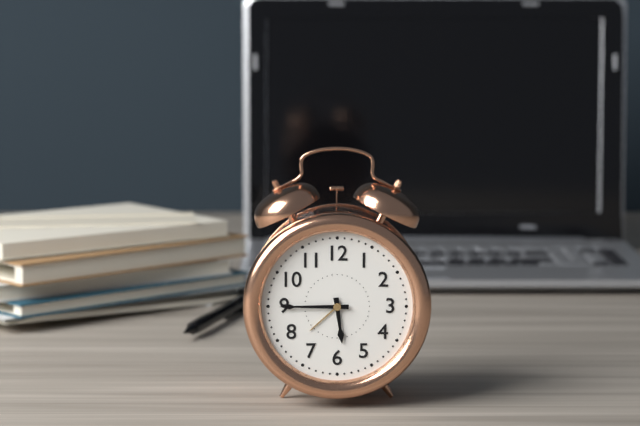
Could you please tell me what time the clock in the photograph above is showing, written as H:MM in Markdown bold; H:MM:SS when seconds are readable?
**5:45**
